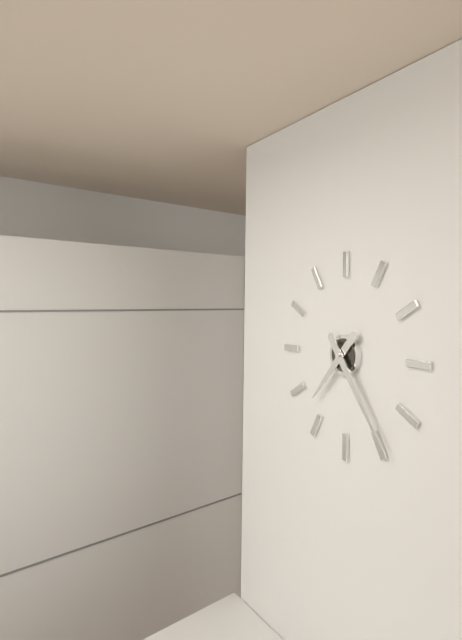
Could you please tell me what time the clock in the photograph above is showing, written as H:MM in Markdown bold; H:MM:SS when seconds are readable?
**7:24**
